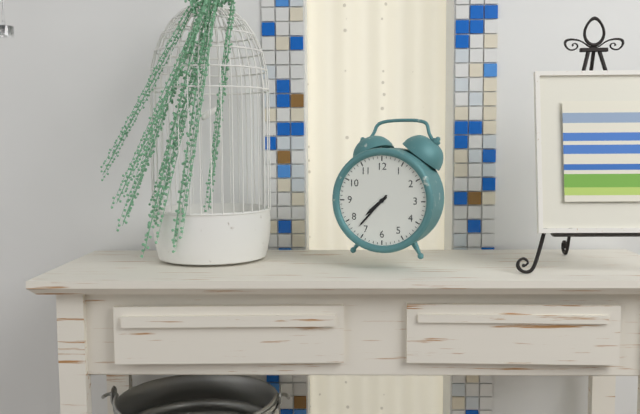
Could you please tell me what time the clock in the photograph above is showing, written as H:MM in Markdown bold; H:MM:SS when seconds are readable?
**7:37**
